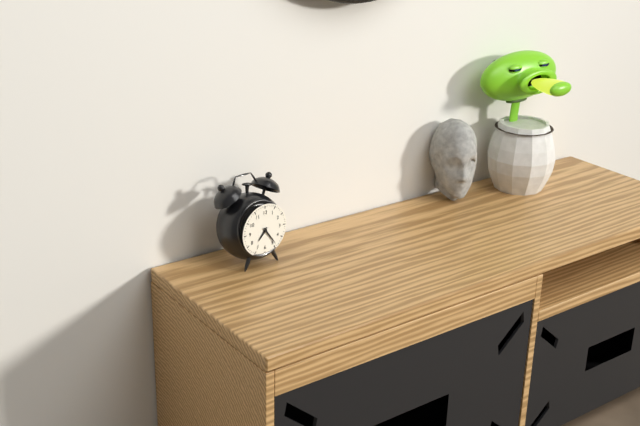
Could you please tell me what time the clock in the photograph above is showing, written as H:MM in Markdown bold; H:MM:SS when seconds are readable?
**7:24**
